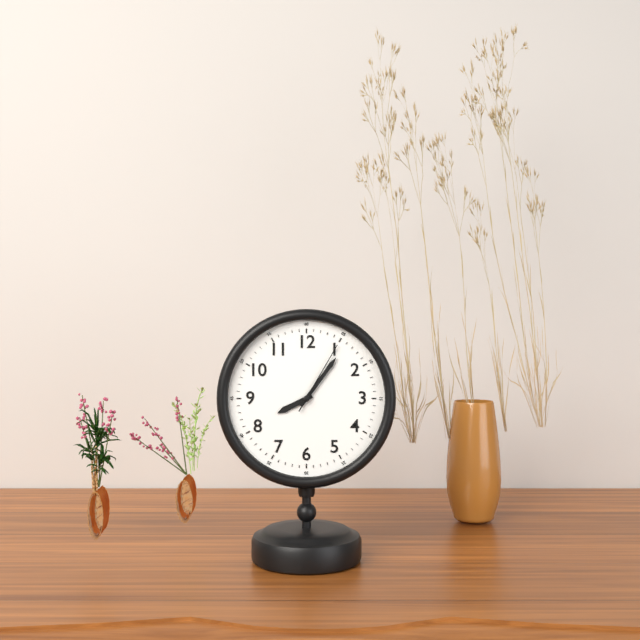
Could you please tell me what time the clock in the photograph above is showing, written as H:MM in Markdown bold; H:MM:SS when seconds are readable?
**8:06:05**
